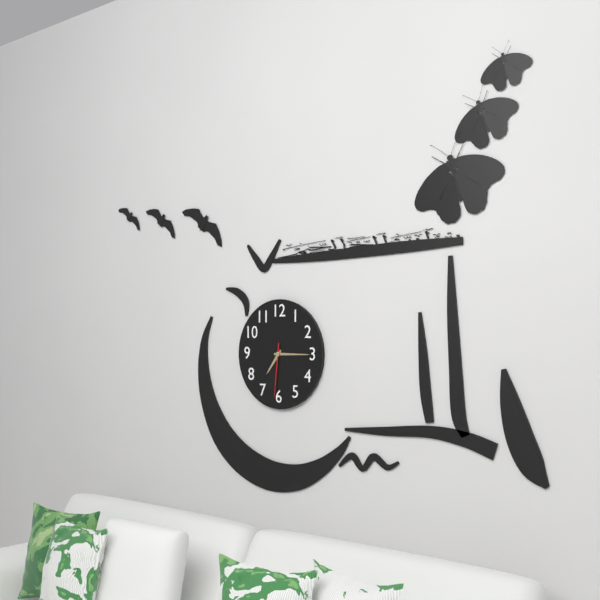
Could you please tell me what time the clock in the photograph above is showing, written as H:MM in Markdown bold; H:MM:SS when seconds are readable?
**7:15:31**
